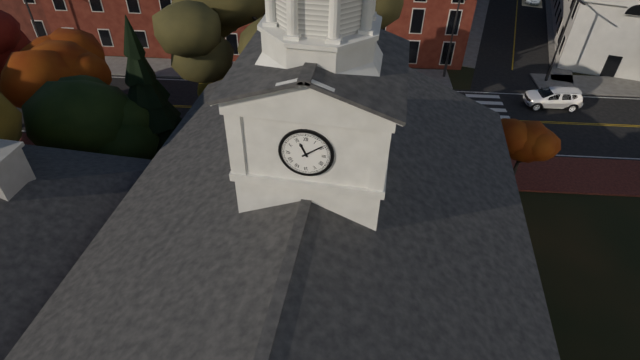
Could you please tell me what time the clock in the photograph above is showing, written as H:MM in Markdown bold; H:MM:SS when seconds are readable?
**11:09**
